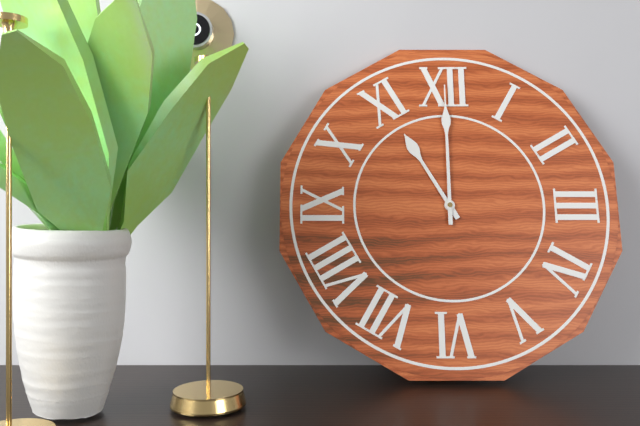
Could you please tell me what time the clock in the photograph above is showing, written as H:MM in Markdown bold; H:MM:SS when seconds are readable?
**11:00**
